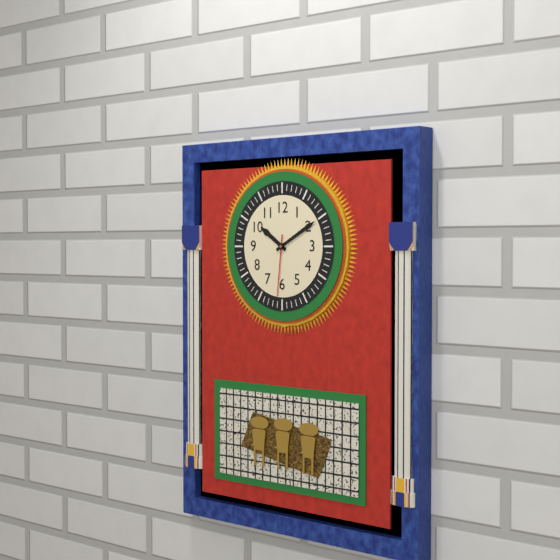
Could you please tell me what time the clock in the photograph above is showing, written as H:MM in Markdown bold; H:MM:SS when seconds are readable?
**10:10:31**
